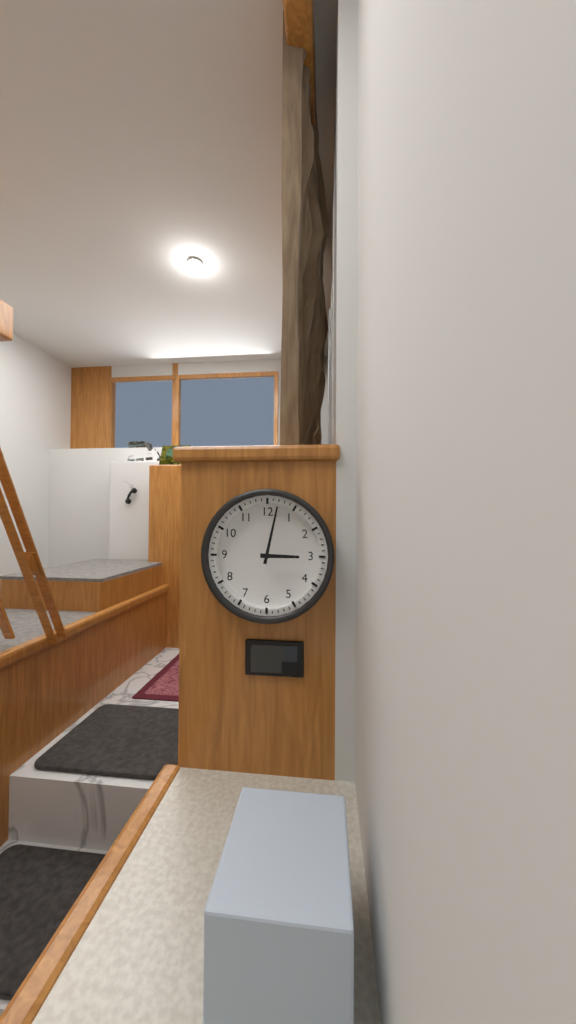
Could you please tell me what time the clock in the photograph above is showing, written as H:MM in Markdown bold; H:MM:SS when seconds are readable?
**3:02**
